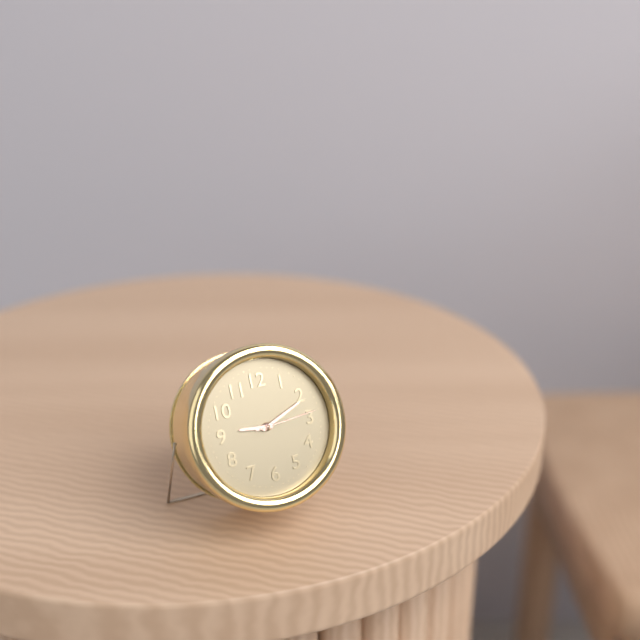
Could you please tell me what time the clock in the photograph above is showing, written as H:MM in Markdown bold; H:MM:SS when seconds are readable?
**9:11:14**
